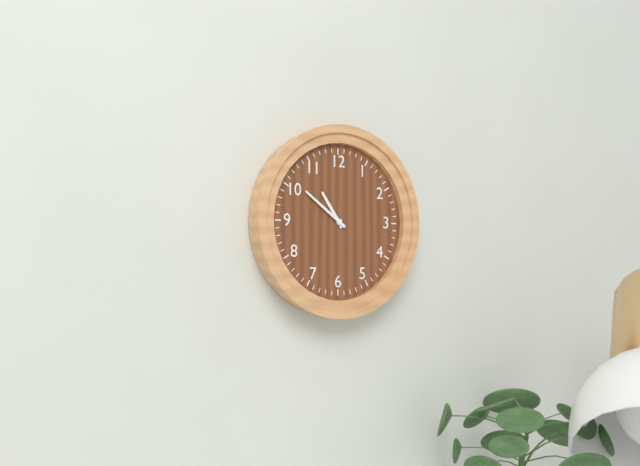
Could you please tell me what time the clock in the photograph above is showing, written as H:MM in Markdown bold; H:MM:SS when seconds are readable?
**10:51**
